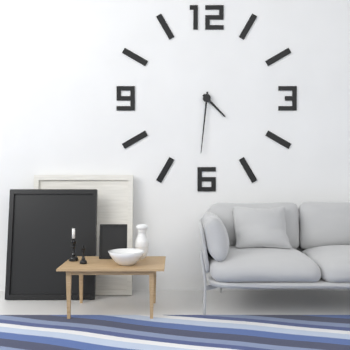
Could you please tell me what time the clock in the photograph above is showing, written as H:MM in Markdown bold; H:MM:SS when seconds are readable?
**4:31**
